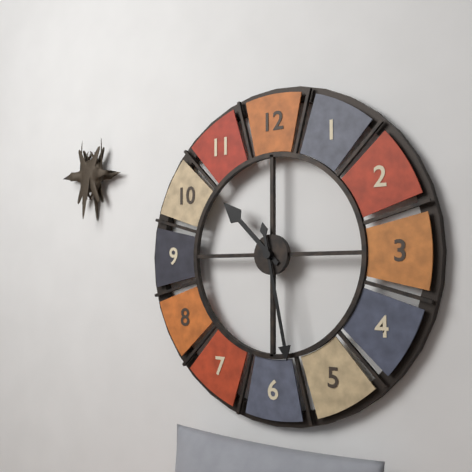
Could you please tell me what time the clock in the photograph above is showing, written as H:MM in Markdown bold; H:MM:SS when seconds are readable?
**10:28**
